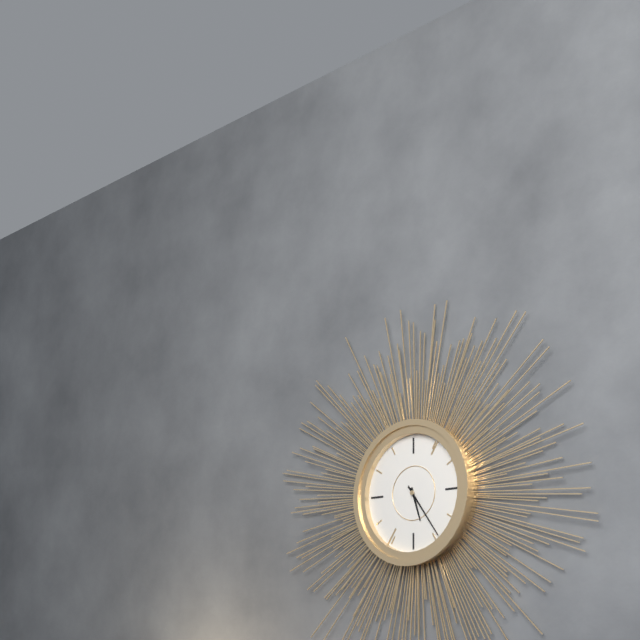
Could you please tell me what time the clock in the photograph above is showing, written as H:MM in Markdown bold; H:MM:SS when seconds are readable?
**5:24**
